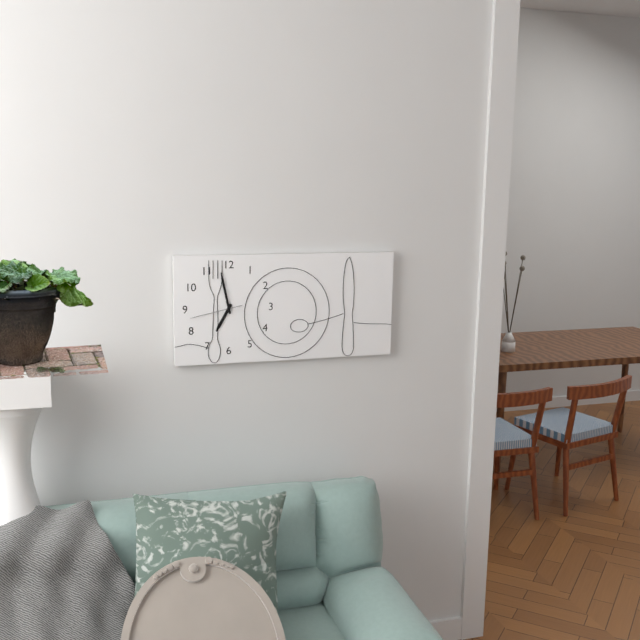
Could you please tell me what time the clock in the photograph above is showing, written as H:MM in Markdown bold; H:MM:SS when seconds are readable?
**6:58:43**
